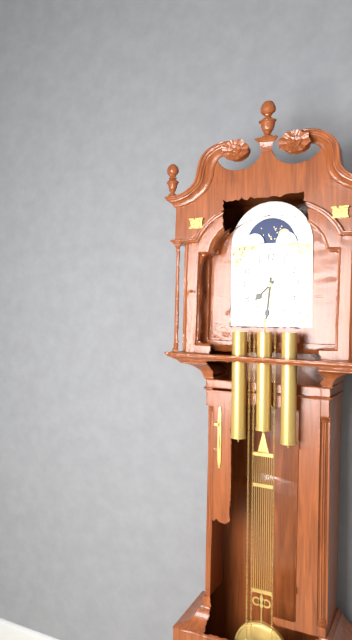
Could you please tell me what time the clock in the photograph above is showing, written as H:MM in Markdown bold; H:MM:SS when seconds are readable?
**7:31**
